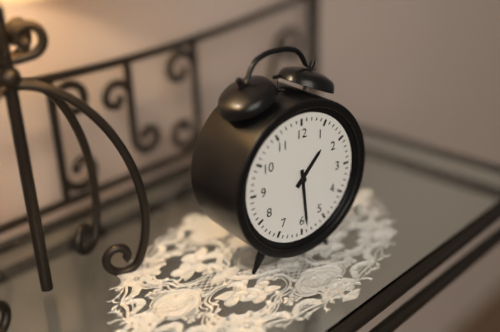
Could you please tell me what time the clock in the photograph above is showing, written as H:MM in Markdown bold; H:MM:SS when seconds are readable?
**1:29**
